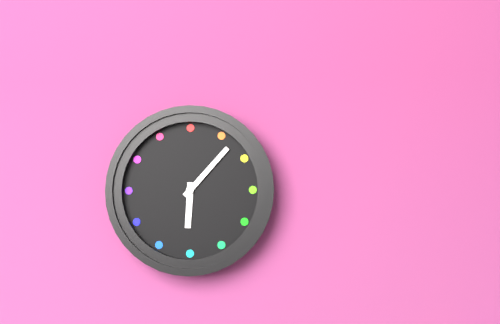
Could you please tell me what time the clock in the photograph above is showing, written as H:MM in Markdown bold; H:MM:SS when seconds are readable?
**6:07**
